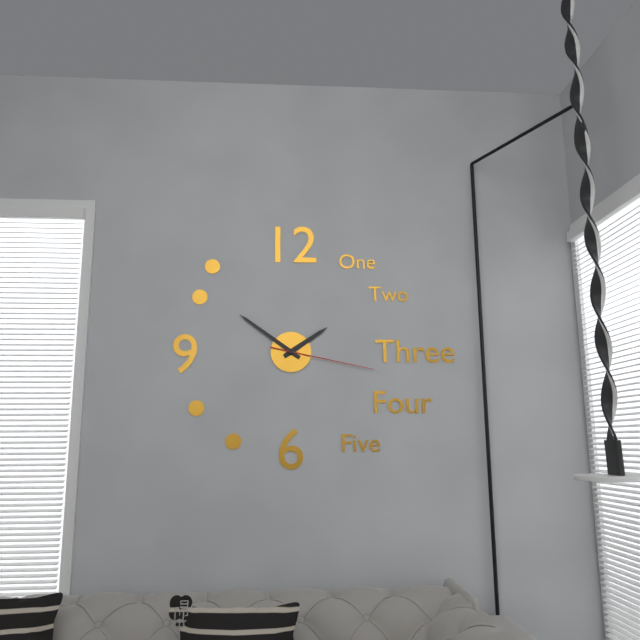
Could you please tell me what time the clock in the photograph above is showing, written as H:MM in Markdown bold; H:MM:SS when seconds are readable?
**1:51:17**
